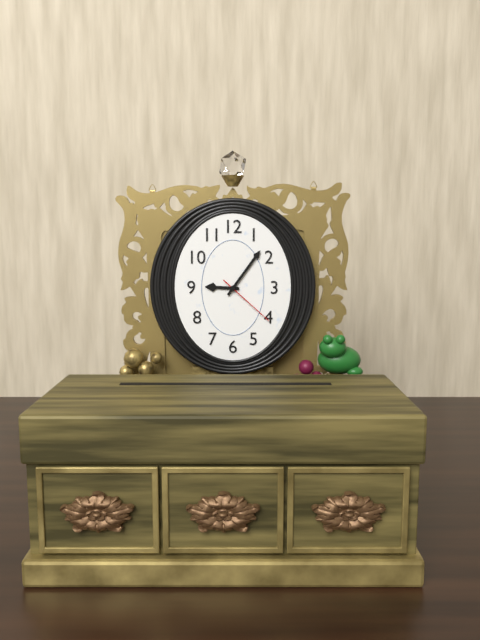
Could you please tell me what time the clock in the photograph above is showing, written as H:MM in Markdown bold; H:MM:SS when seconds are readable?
**9:06:22**
